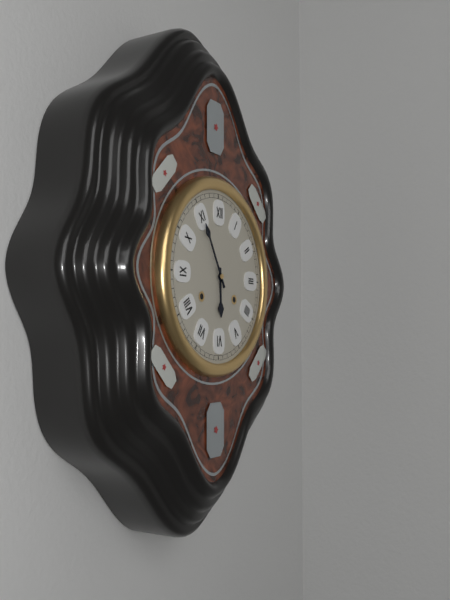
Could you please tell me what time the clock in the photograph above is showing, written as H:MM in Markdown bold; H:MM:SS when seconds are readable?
**5:55**
